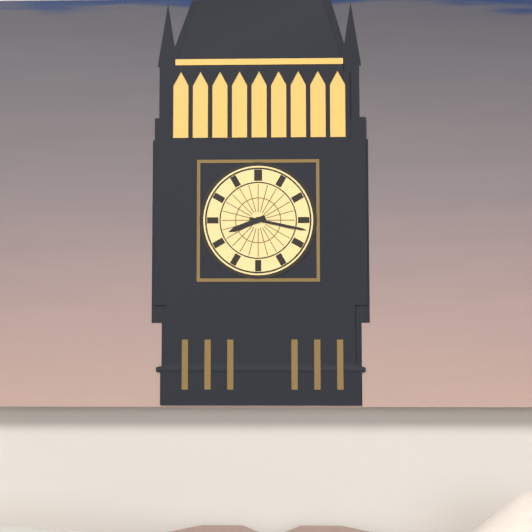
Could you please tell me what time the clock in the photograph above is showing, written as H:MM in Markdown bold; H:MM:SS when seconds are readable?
**8:17**
